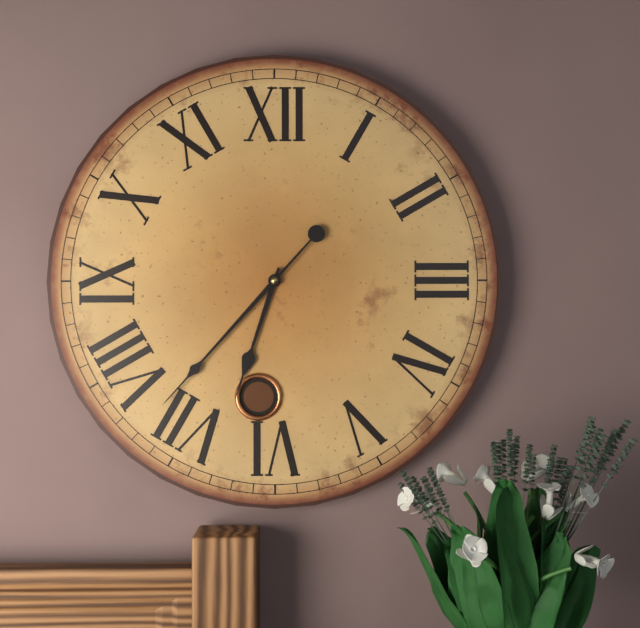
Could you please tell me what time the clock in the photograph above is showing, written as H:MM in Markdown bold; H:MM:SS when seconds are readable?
**6:37**
